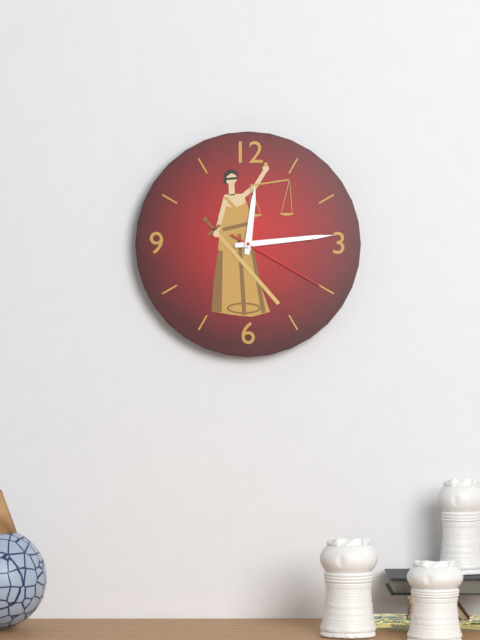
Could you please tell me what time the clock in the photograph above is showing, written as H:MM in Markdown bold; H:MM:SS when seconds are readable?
**12:14:20**
